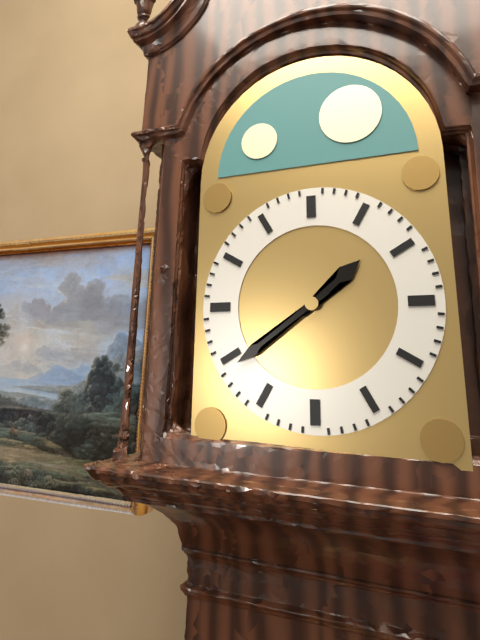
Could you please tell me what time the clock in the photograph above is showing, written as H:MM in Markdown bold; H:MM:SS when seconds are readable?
**1:39**
